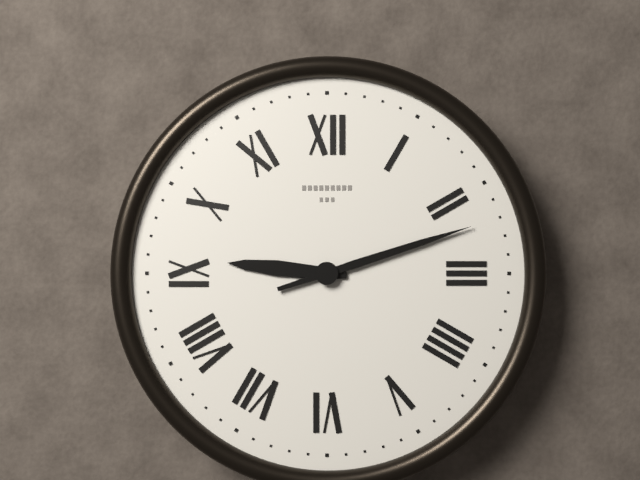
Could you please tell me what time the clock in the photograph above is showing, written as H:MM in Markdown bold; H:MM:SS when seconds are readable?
**9:12**
